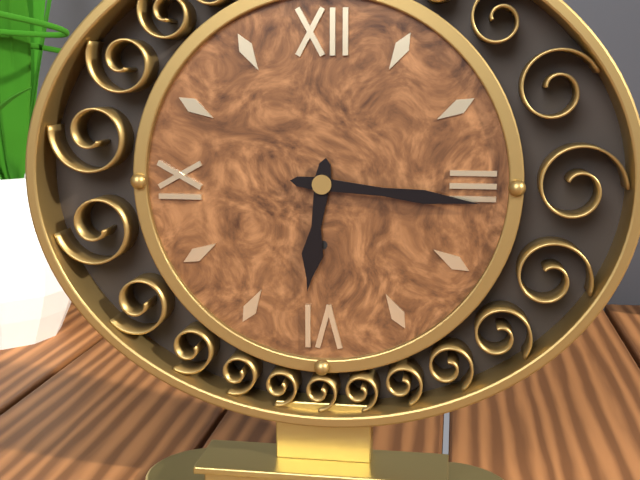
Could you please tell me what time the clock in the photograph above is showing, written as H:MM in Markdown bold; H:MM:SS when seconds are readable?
**6:16**
